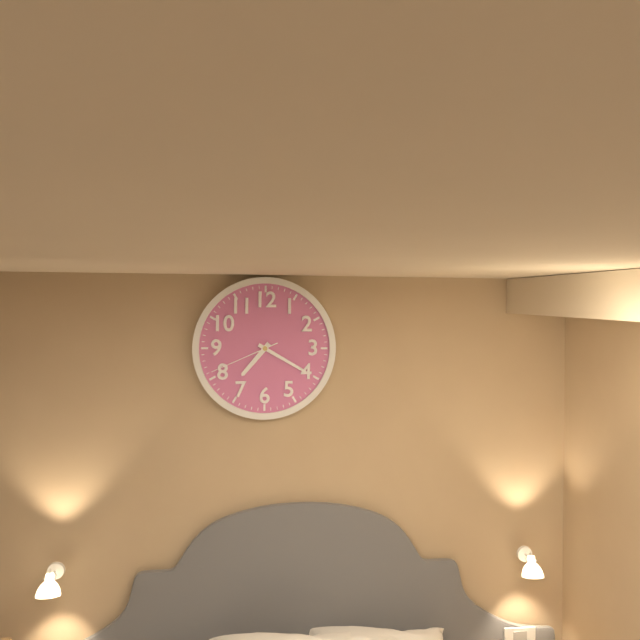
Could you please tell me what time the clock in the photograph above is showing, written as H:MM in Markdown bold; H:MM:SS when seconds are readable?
**7:20:41**
